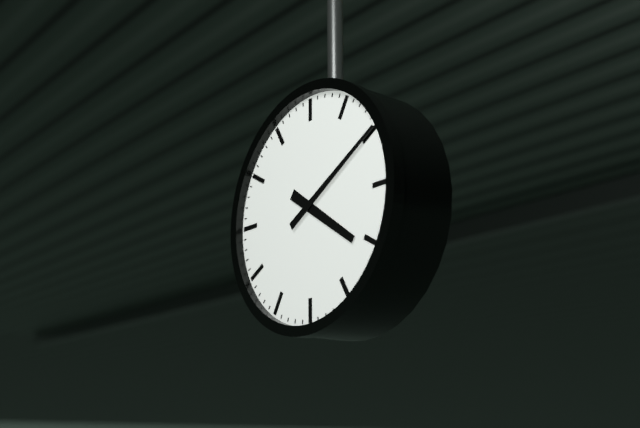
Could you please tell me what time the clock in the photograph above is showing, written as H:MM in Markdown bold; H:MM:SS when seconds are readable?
**4:10**
